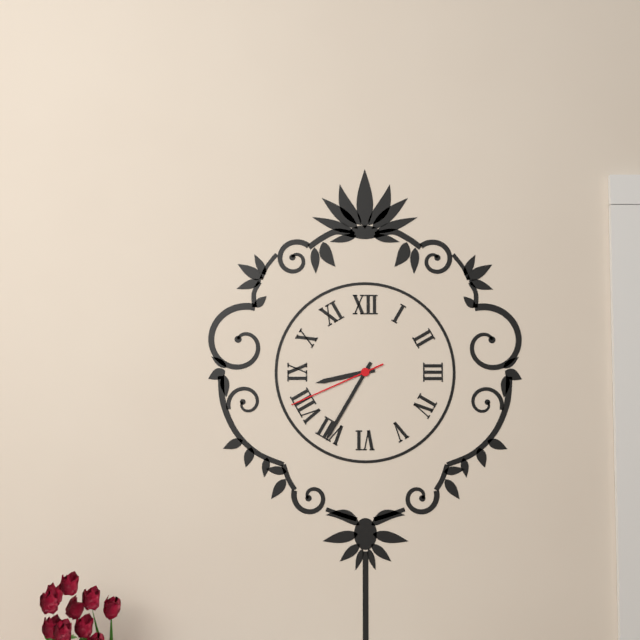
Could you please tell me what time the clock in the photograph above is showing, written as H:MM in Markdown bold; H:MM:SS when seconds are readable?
**8:35:41**
